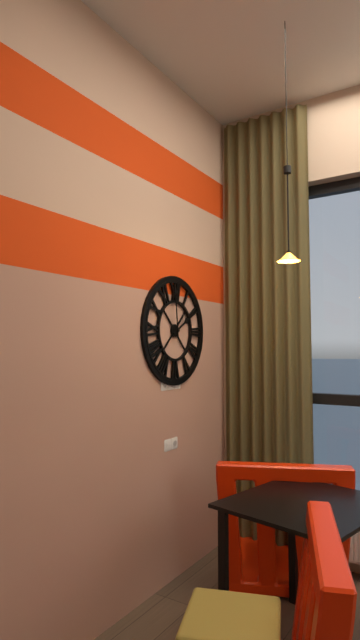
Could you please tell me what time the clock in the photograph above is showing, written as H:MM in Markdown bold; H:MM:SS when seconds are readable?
**1:59**
